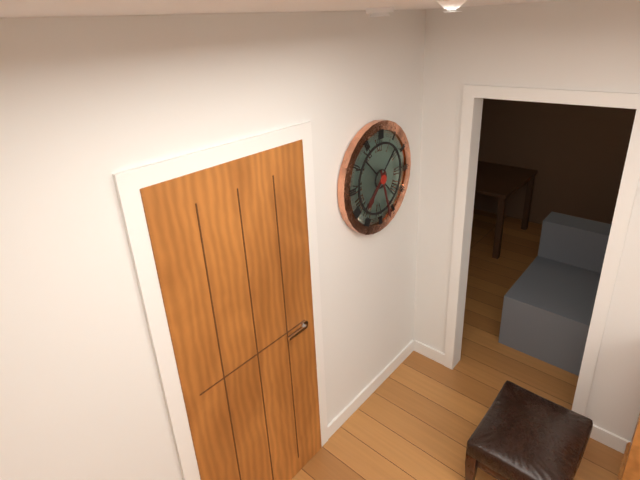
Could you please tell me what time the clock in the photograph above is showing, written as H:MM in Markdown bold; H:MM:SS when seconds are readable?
**7:27**
